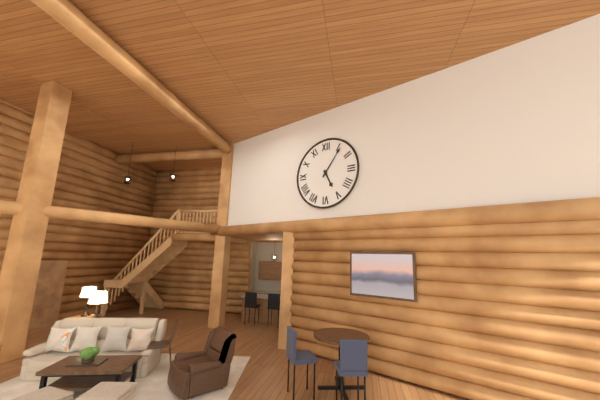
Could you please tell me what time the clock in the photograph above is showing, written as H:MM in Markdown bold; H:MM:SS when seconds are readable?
**5:06**
